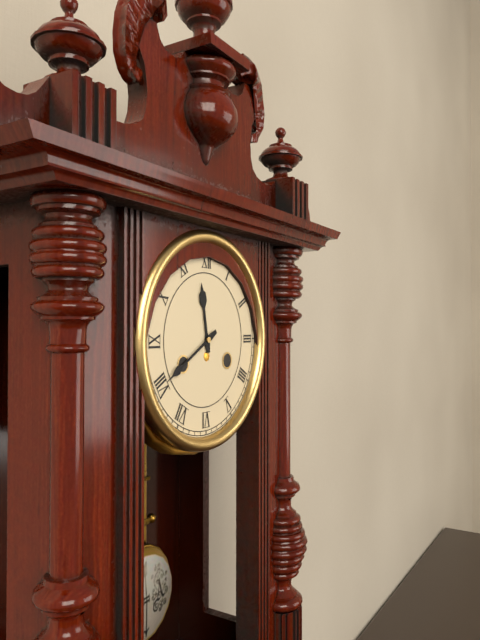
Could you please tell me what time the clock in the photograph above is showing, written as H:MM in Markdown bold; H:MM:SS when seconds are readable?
**11:40**
